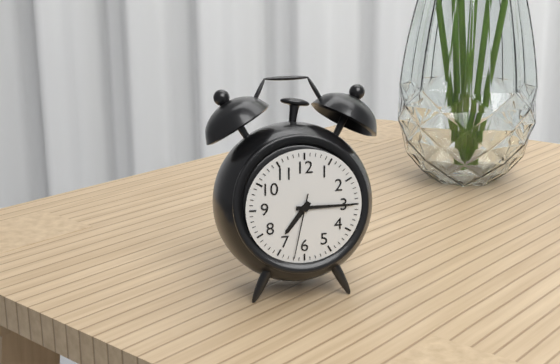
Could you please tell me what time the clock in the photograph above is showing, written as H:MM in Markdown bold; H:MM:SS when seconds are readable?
**7:15:32**
